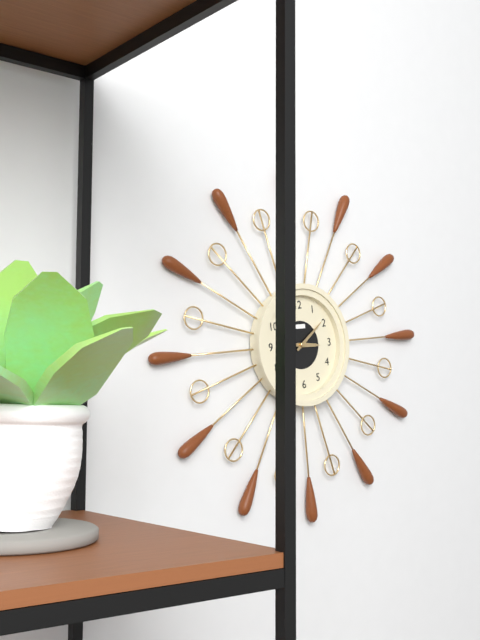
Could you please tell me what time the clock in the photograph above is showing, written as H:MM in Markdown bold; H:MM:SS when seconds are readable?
**3:09**
